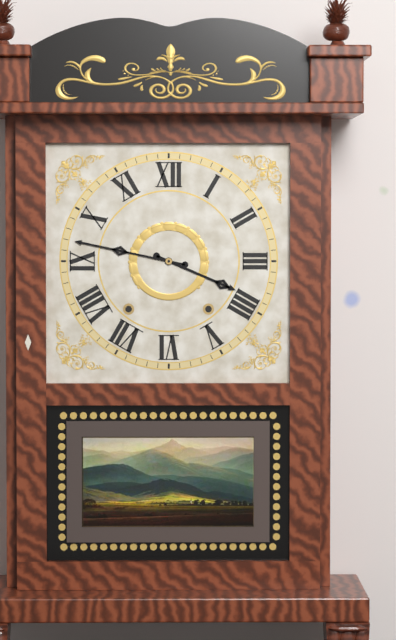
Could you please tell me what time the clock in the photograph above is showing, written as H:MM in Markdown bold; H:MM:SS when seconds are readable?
**3:47**
